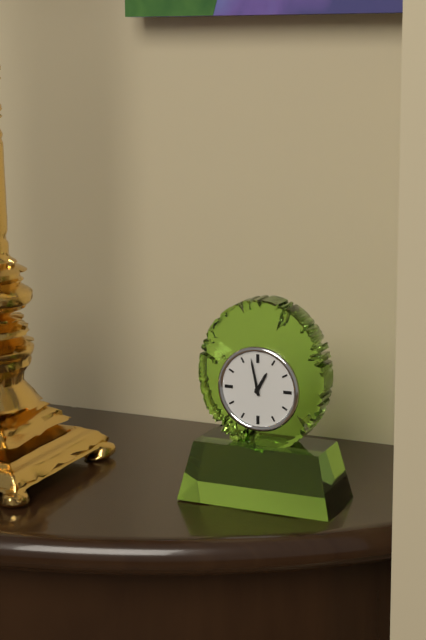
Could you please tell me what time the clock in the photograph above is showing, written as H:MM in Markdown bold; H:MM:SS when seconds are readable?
**12:58**
